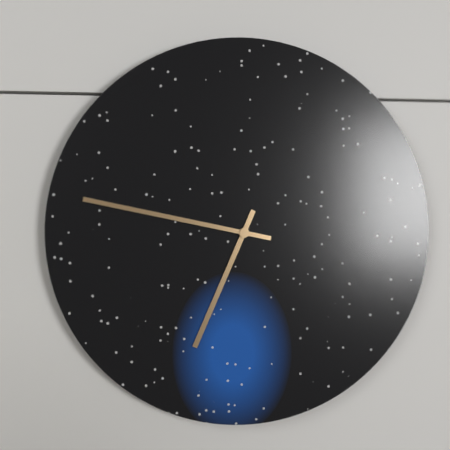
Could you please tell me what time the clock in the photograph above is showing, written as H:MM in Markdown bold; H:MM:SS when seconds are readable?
**6:47**
